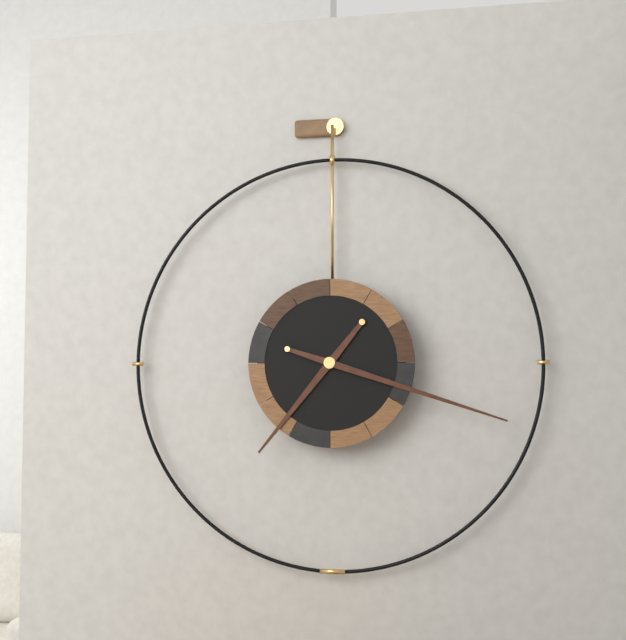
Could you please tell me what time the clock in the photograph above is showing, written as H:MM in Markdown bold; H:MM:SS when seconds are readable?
**7:18**
